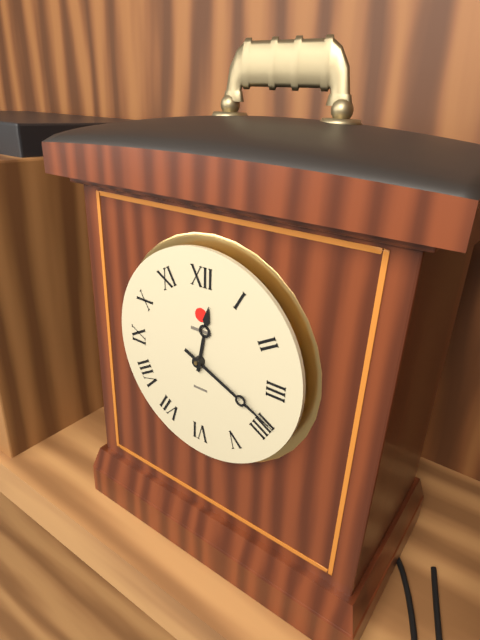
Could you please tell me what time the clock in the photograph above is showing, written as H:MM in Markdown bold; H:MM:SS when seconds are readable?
**12:19**
